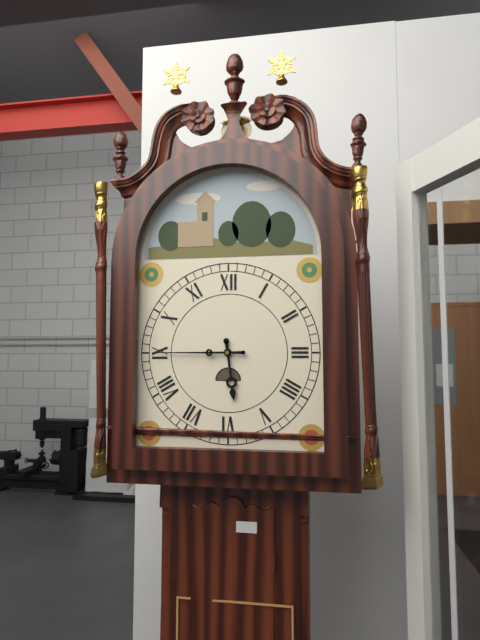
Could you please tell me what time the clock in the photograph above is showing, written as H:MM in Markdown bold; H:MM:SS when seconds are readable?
**5:45**
